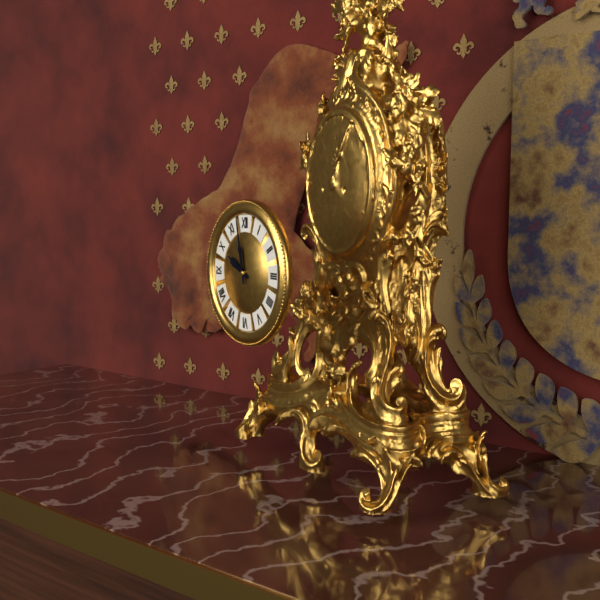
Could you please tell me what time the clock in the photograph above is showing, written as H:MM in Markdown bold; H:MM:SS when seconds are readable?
**9:58**
